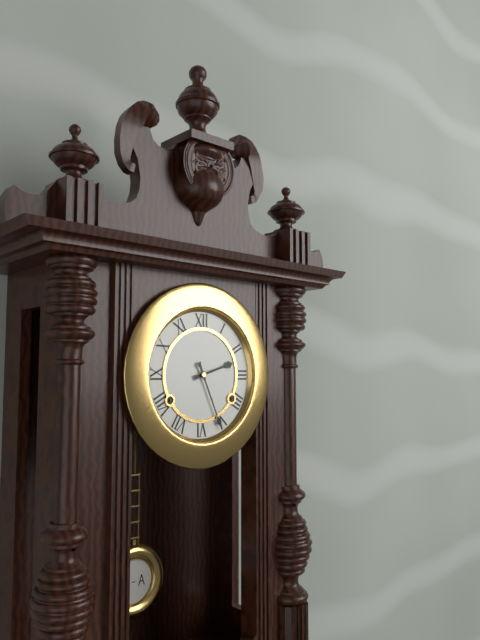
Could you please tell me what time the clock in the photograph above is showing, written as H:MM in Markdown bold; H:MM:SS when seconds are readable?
**2:26**
